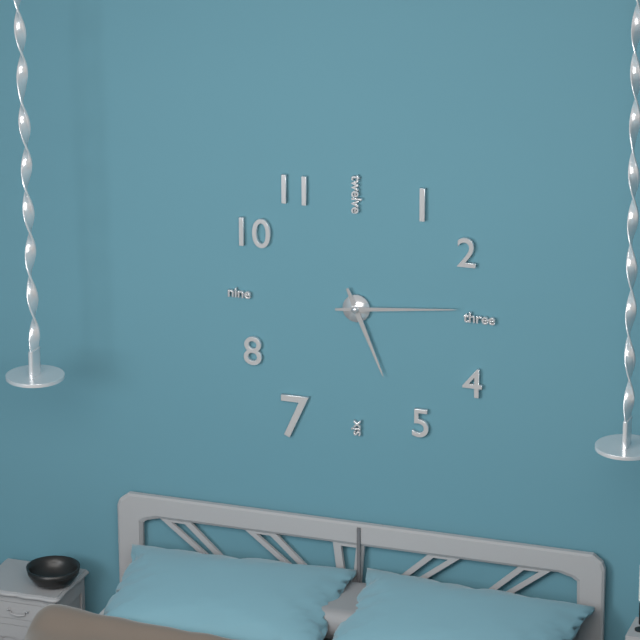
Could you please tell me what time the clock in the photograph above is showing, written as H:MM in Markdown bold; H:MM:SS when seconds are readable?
**5:14**
